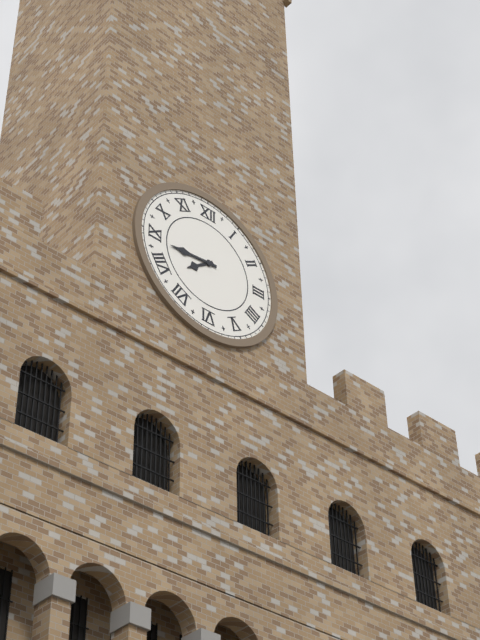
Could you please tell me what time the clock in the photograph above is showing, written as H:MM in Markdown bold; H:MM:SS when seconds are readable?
**7:44**
